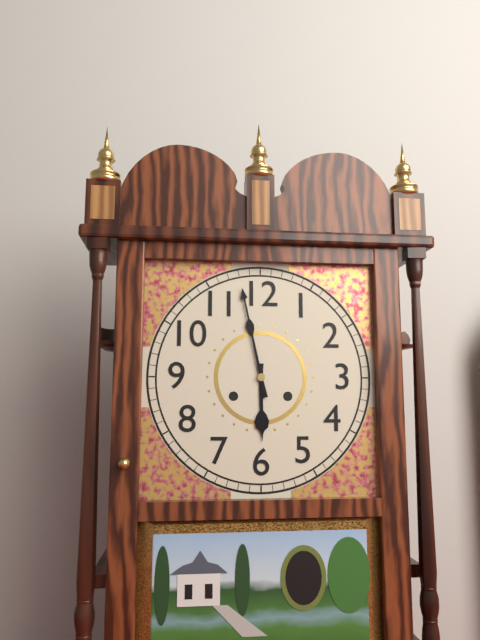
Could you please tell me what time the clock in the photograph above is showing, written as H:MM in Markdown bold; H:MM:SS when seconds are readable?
**5:58**
